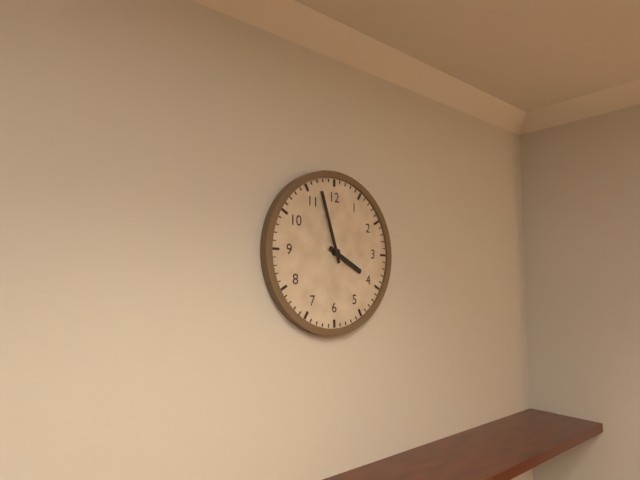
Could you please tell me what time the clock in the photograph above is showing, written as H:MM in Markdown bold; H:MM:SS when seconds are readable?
**3:57**
